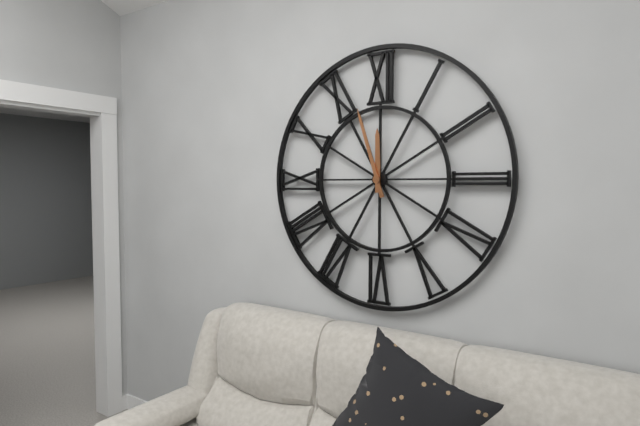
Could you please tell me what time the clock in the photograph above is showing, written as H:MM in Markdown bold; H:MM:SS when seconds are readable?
**11:57**
